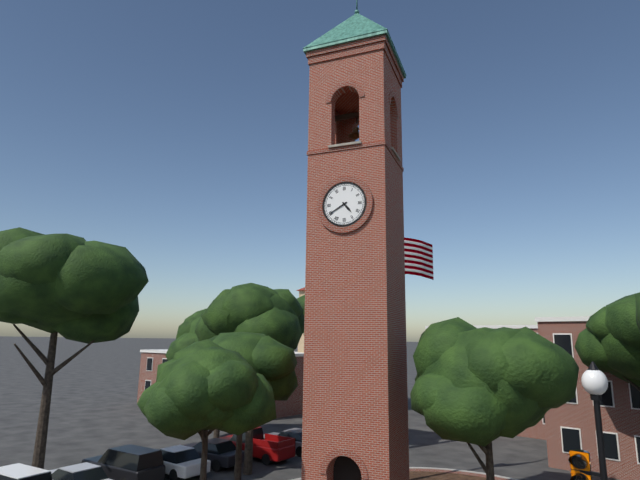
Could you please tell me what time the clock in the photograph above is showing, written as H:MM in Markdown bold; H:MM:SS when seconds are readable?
**4:40**
